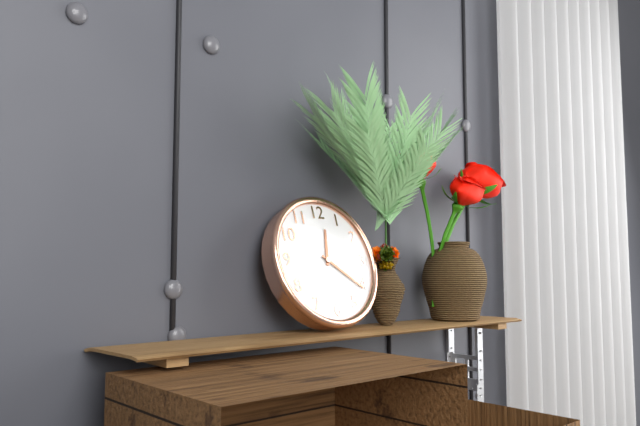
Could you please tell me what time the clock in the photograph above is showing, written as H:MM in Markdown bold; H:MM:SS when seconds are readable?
**12:21**
